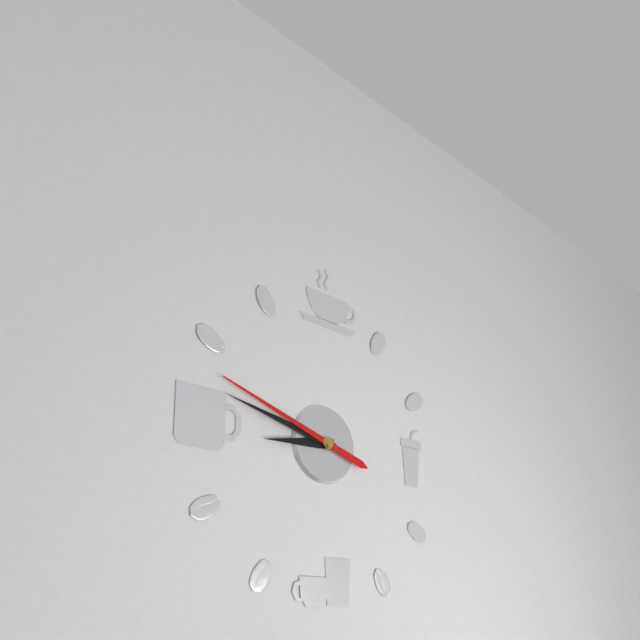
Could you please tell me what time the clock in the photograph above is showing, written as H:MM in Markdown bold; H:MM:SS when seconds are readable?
**8:47:48**
